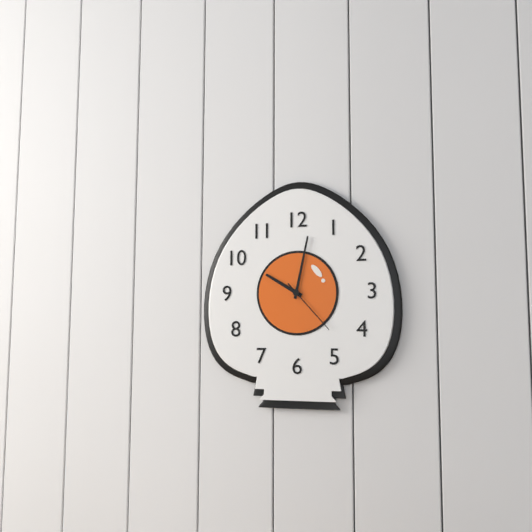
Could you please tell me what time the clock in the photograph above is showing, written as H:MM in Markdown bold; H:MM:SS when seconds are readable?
**10:02:23**
